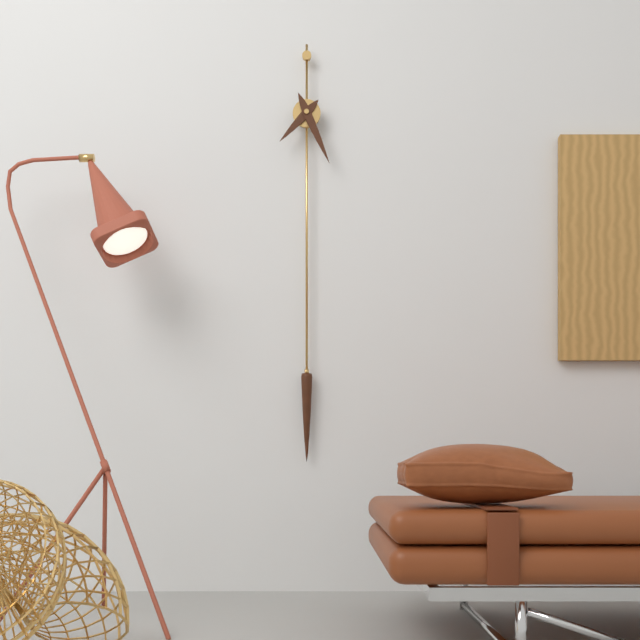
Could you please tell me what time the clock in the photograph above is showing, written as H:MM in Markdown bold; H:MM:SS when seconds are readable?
**7:26**
